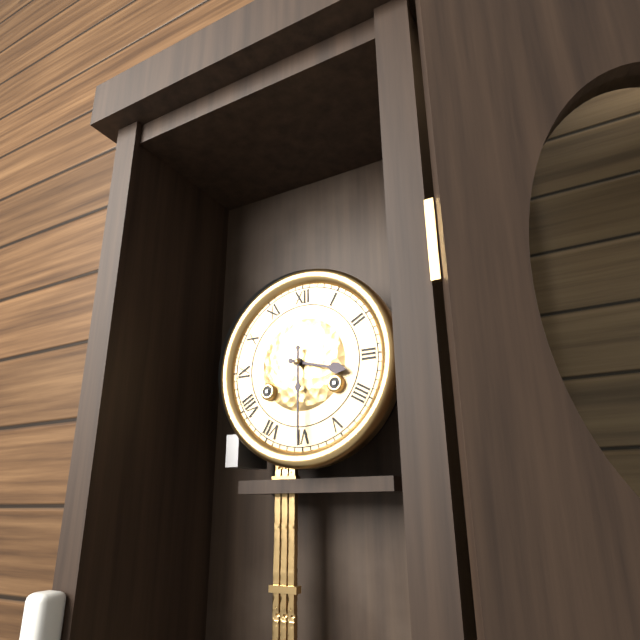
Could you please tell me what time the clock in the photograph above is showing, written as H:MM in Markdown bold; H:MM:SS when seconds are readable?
**3:30**
